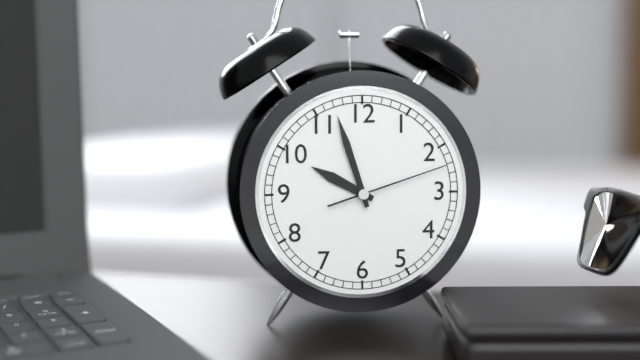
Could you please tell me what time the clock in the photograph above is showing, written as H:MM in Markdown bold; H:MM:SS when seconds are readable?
**9:57:12**
